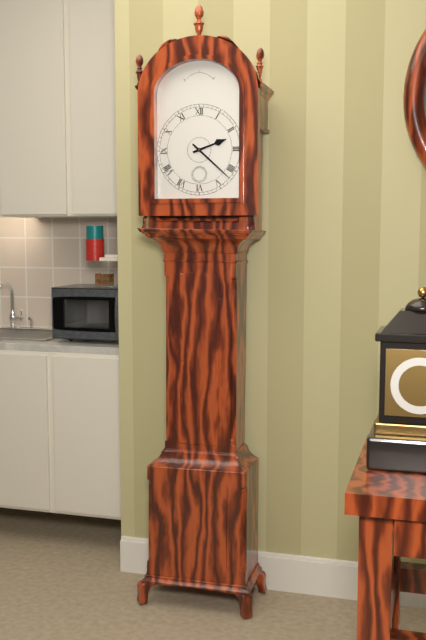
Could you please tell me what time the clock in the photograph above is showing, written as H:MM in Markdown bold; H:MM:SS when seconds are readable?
**2:22**
